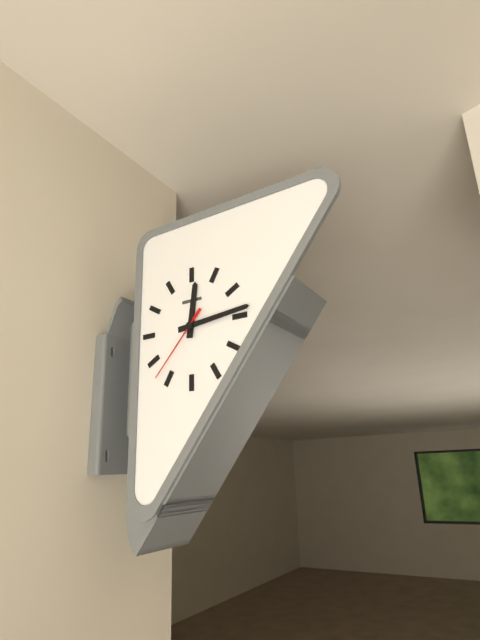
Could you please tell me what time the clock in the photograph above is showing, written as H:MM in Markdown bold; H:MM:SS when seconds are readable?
**12:14:37**
